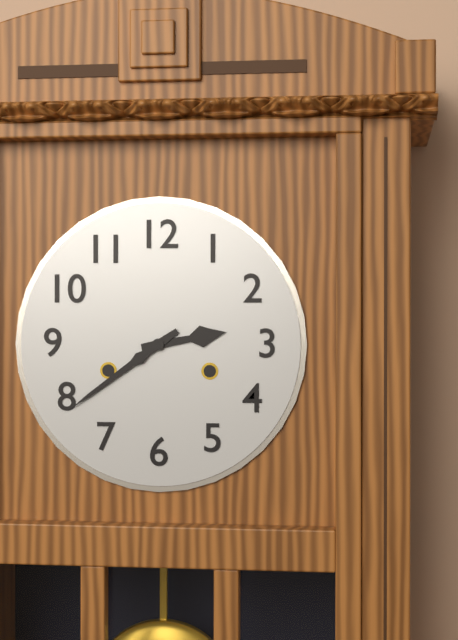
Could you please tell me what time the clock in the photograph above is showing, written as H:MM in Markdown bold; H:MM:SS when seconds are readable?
**2:39**
